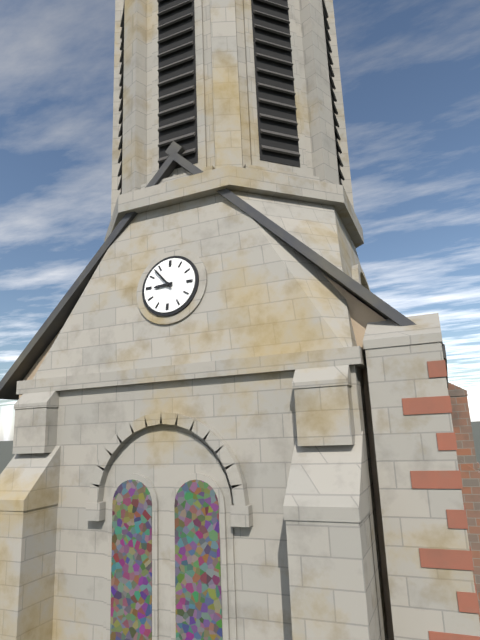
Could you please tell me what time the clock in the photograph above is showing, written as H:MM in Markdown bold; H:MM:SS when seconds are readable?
**8:53**
